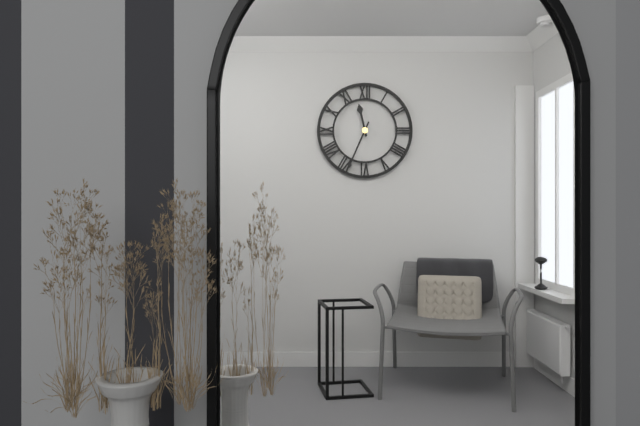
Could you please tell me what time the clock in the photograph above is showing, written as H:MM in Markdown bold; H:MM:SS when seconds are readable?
**11:34**
